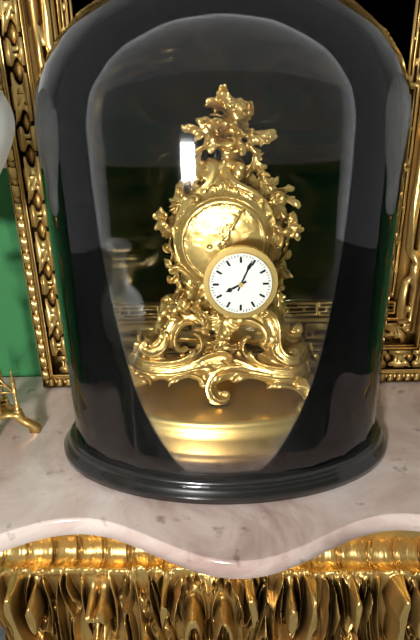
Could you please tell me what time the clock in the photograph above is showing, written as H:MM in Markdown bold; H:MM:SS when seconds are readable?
**8:04**
